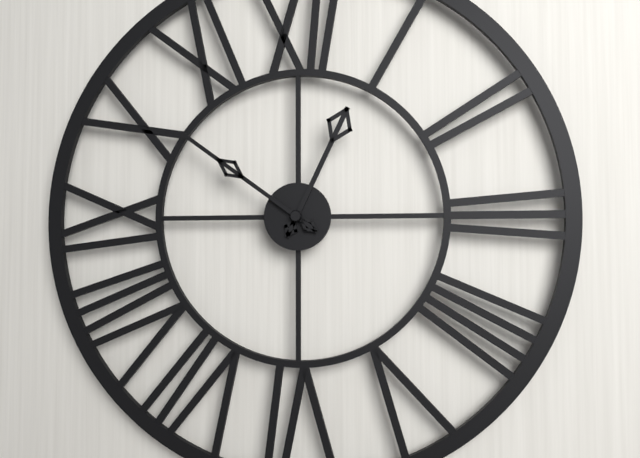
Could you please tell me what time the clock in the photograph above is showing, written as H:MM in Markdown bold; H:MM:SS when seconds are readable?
**12:51**
